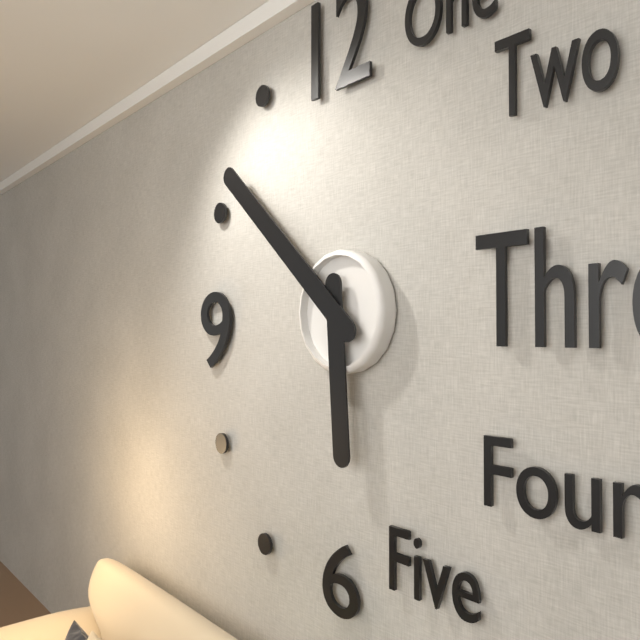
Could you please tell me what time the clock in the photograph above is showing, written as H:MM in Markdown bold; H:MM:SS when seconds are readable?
**5:52**
